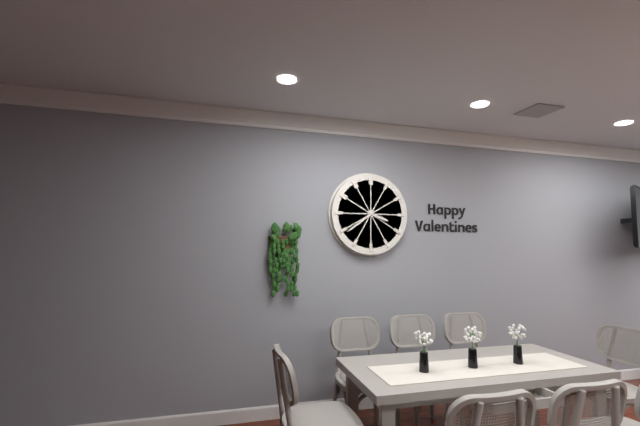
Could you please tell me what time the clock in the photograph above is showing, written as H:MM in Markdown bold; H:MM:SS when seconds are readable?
**3:39**
